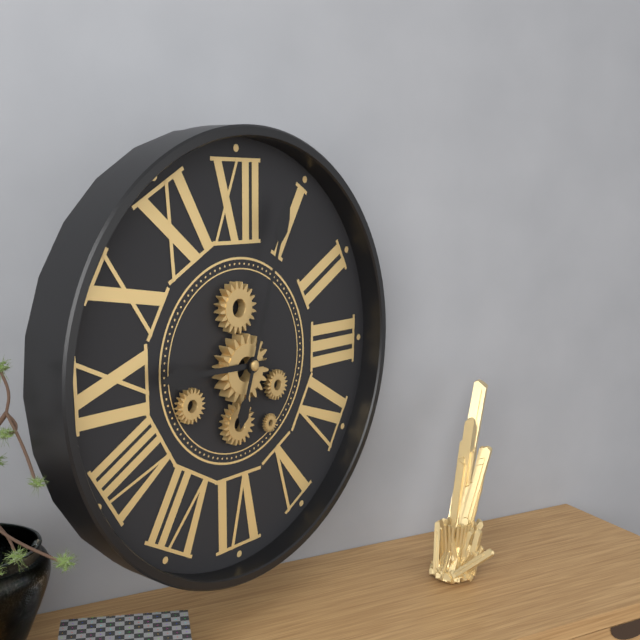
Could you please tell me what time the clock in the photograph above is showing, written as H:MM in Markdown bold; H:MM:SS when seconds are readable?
**9:03**
